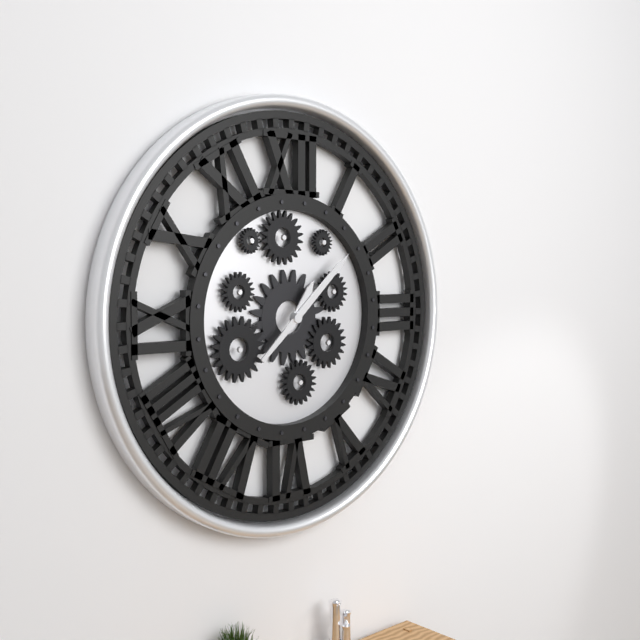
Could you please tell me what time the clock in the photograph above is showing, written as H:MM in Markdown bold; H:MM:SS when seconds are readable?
**1:08**
